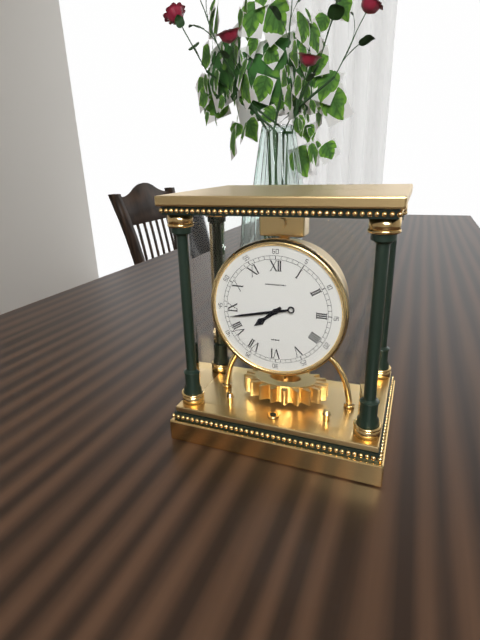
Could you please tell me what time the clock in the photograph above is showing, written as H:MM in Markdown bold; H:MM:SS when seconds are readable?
**7:43**
